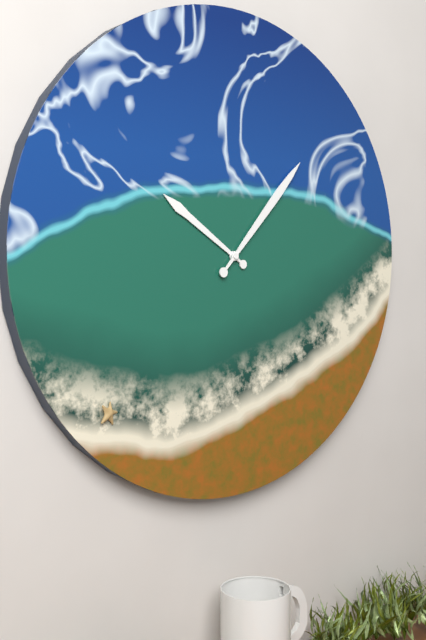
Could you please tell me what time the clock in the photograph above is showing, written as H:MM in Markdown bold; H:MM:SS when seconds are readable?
**10:07**
